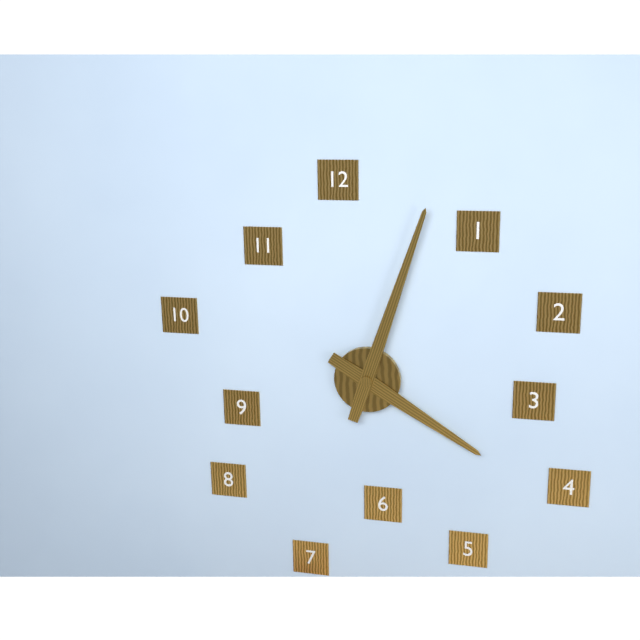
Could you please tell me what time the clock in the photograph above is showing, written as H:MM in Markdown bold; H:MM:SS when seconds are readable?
**4:03**
